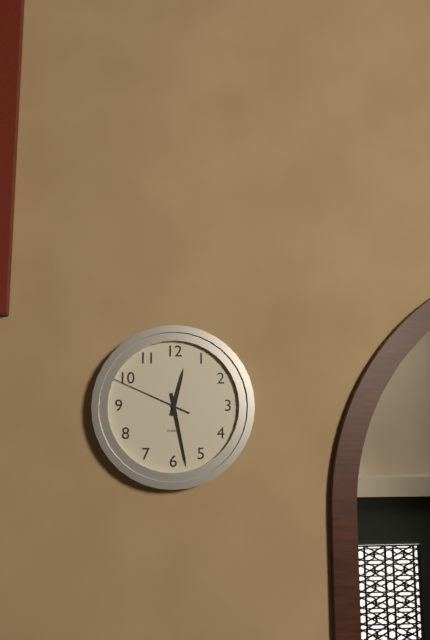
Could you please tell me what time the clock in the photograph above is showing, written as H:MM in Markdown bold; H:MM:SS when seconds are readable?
**12:28:49**
